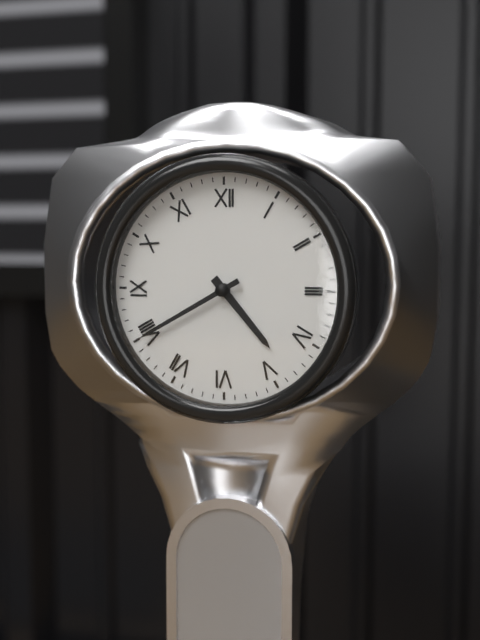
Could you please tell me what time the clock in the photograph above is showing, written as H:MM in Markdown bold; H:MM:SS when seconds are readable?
**4:40**
